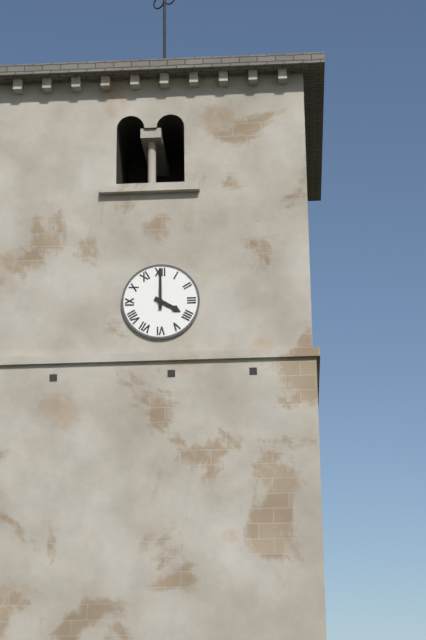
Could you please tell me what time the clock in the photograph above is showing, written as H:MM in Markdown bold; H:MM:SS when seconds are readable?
**4:00**
